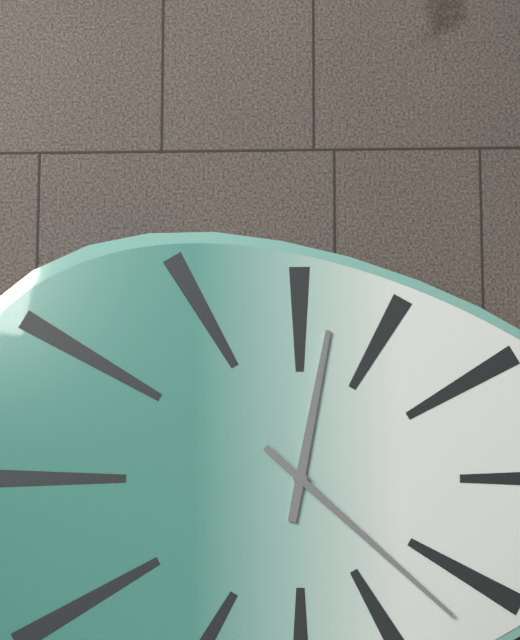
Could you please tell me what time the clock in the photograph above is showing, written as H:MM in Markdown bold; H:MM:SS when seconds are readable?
**12:22**
